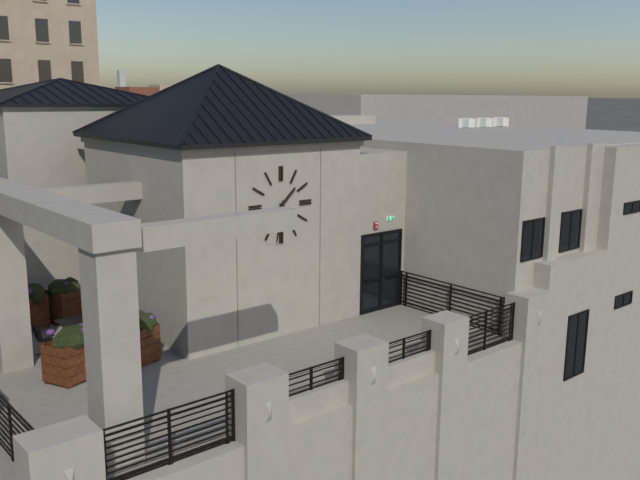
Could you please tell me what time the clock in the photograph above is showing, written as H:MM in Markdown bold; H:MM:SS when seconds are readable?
**1:32**
